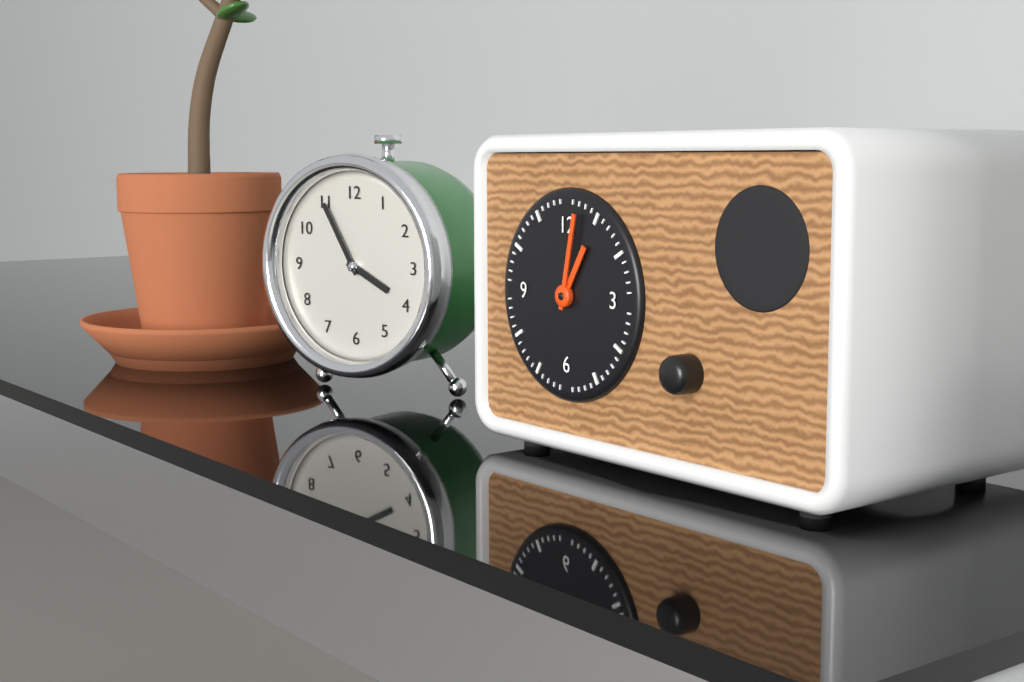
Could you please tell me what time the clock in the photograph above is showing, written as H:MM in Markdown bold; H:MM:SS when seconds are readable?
**1:02**
